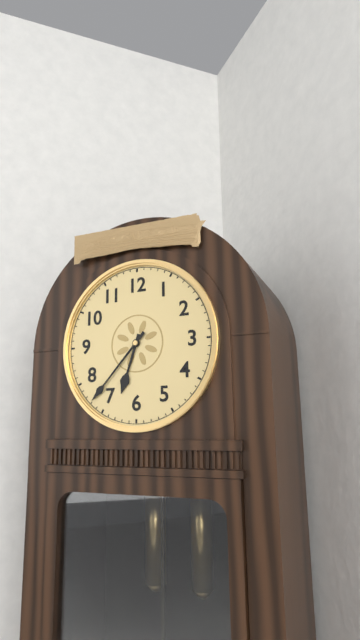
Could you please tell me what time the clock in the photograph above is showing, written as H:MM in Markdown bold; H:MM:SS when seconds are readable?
**6:37**
